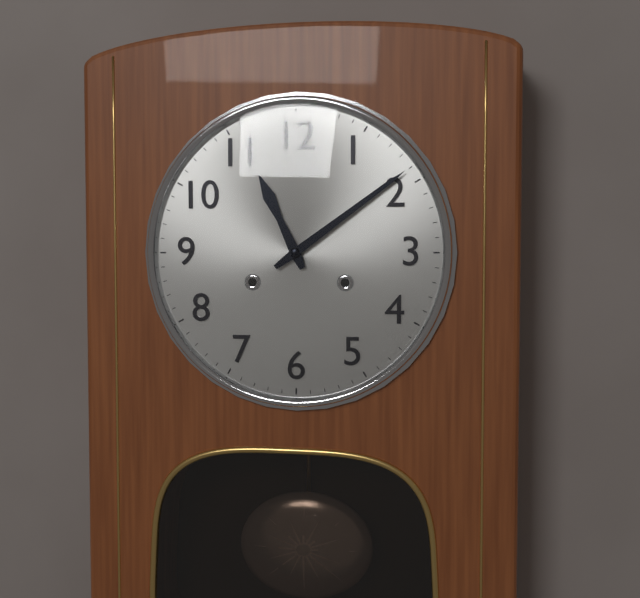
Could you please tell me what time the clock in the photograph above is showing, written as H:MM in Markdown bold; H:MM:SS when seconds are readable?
**11:09**
